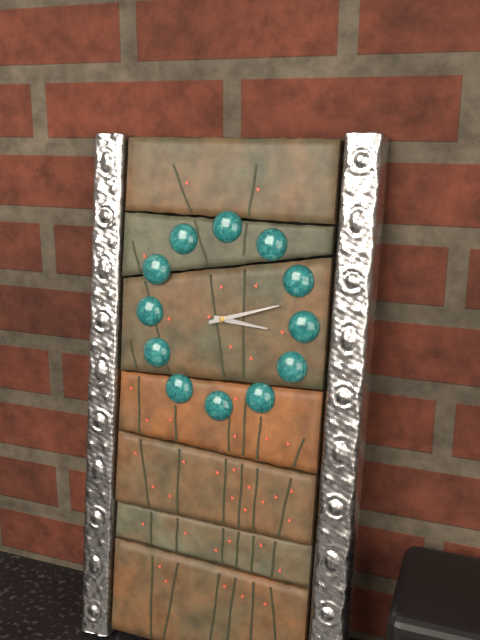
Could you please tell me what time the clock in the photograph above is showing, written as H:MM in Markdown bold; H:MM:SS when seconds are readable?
**3:12**
